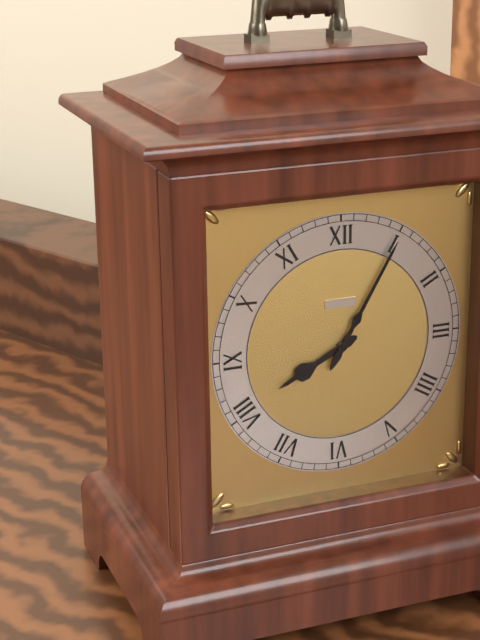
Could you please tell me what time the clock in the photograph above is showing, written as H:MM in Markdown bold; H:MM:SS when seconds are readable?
**8:05**
